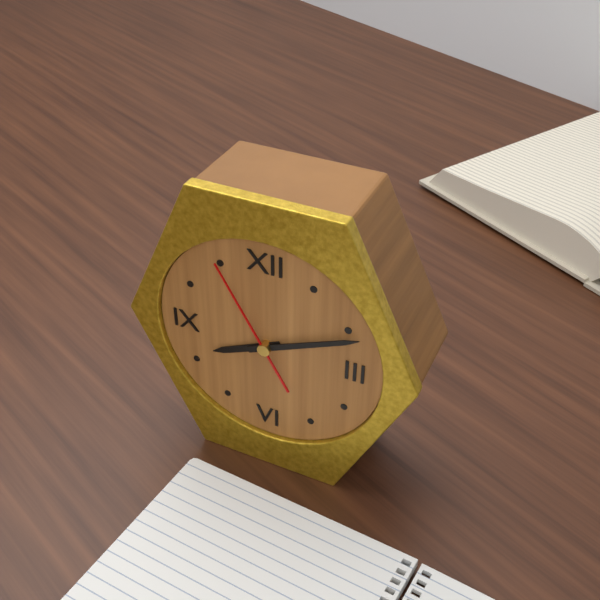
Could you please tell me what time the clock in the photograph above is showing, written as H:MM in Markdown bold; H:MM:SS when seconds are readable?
**8:11:55**
